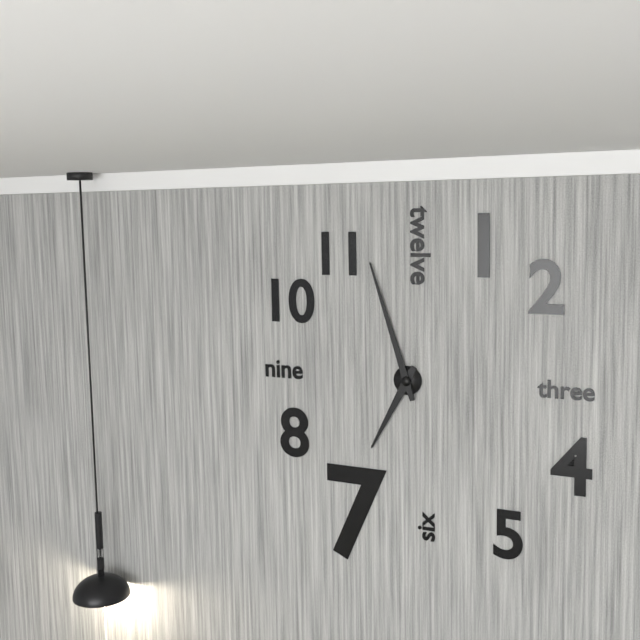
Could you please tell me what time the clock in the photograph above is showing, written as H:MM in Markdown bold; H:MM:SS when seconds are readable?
**6:57**
